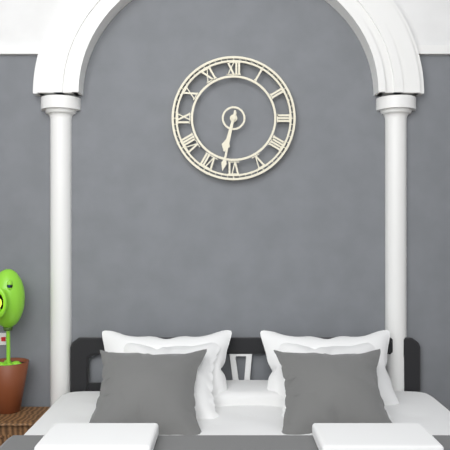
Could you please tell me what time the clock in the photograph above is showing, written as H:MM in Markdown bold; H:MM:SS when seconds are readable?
**6:32**
